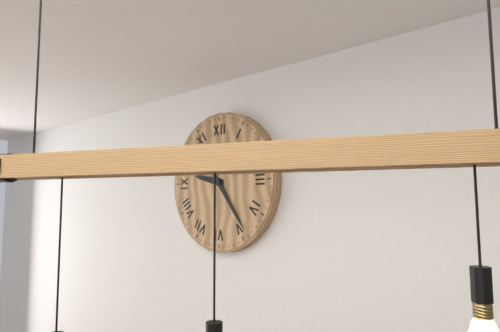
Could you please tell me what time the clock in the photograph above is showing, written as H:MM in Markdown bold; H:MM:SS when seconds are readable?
**9:24**
